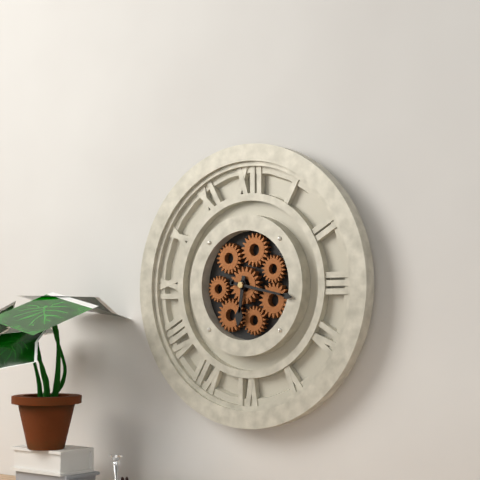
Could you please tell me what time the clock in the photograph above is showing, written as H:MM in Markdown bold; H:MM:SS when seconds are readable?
**6:17**
